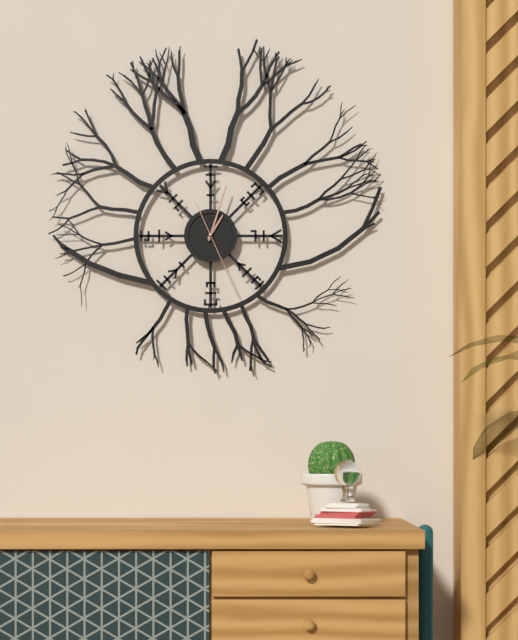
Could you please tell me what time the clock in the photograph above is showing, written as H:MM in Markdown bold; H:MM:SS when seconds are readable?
**1:03:26**
